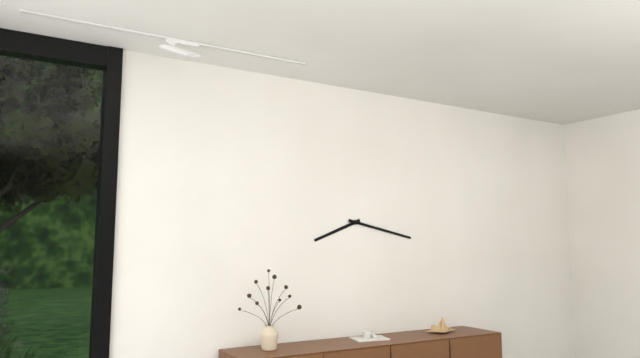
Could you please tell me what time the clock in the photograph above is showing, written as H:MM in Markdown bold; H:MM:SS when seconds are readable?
**8:17**
